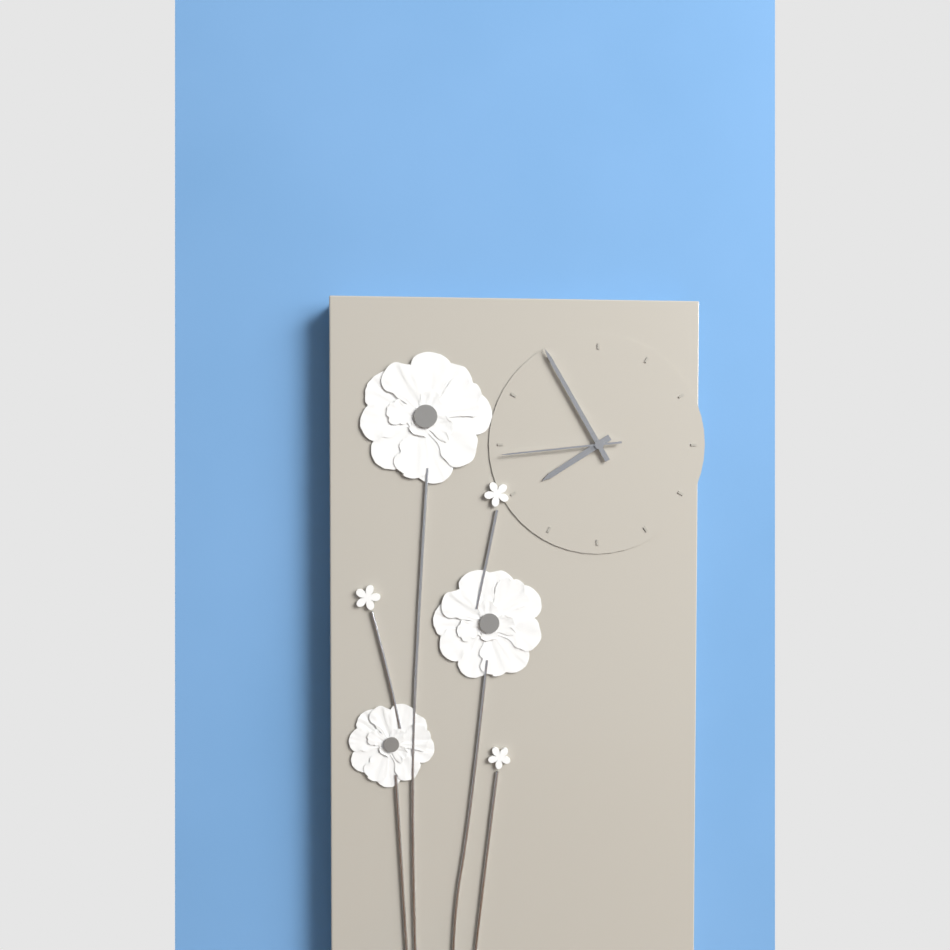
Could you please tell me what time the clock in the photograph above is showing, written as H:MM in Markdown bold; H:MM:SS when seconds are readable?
**7:55:44**
